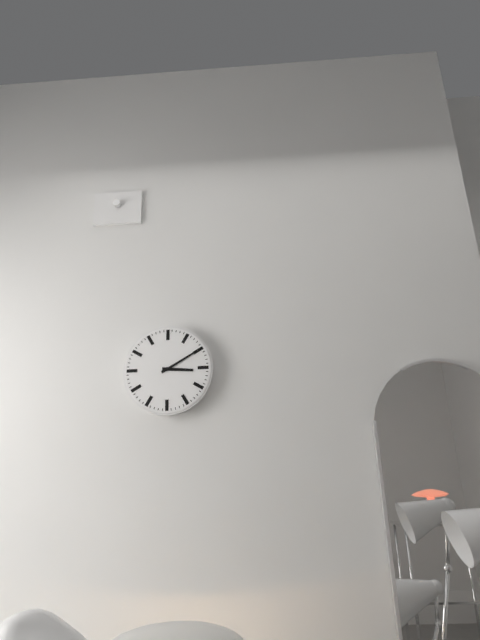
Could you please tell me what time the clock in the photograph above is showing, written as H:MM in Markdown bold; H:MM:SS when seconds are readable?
**3:10**
